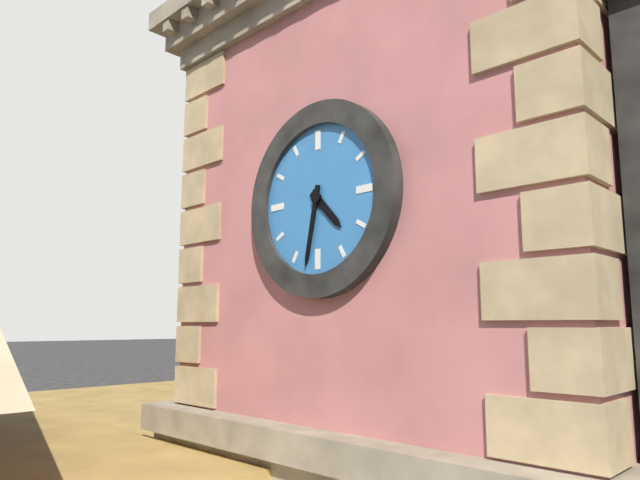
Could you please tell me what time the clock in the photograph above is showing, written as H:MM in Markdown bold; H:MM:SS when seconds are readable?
**4:32**
